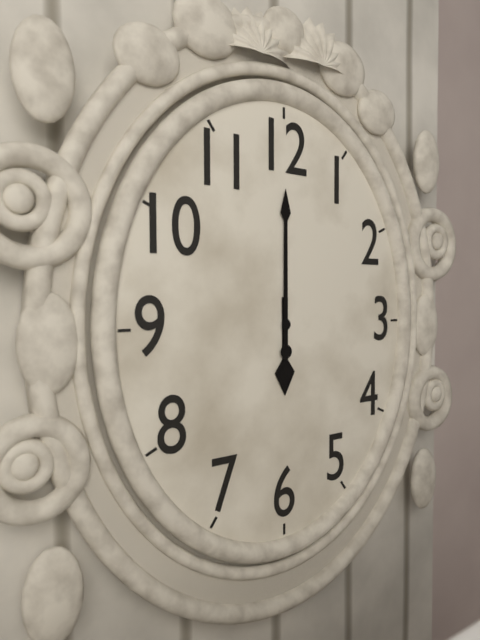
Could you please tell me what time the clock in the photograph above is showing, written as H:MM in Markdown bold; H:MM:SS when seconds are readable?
**6:00**
